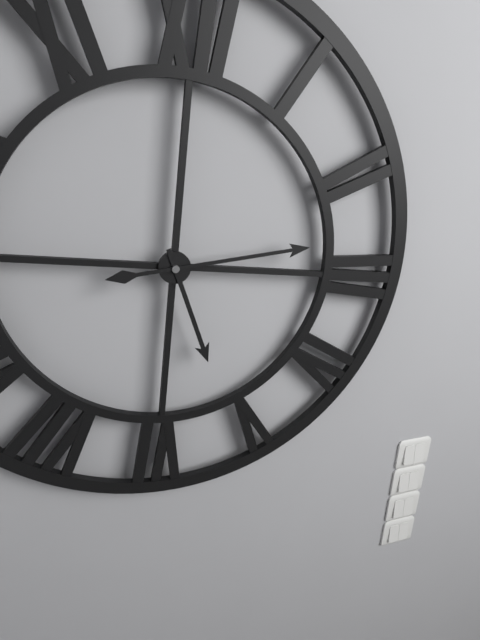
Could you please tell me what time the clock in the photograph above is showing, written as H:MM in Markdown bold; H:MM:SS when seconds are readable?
**5:13**
